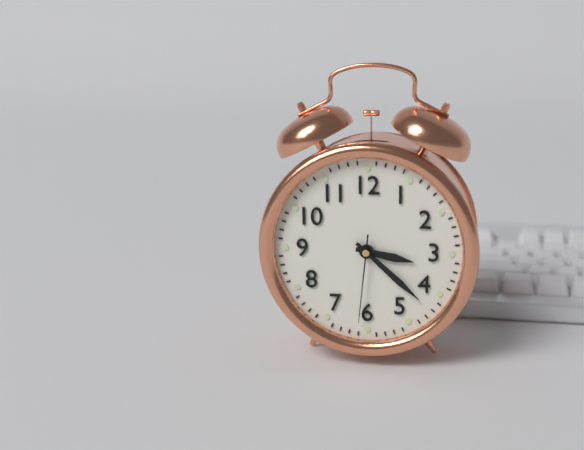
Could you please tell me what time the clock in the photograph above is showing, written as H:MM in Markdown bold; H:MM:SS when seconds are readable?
**3:22:31**
